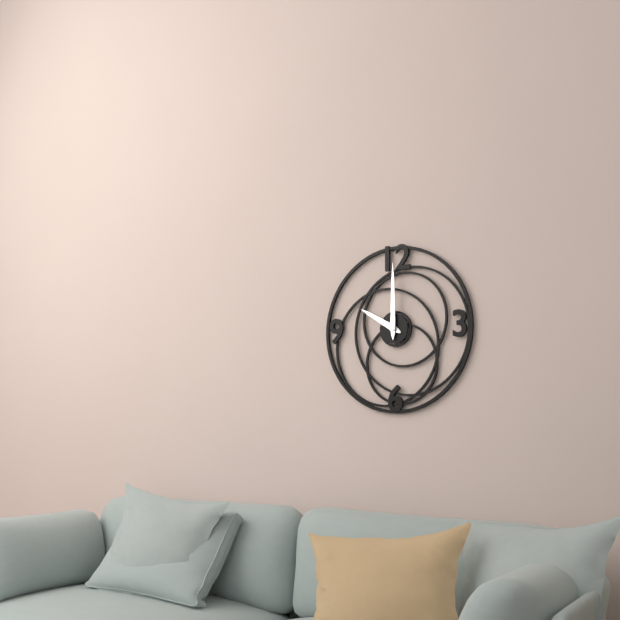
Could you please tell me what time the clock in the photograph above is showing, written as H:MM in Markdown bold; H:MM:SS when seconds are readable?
**10:00**
